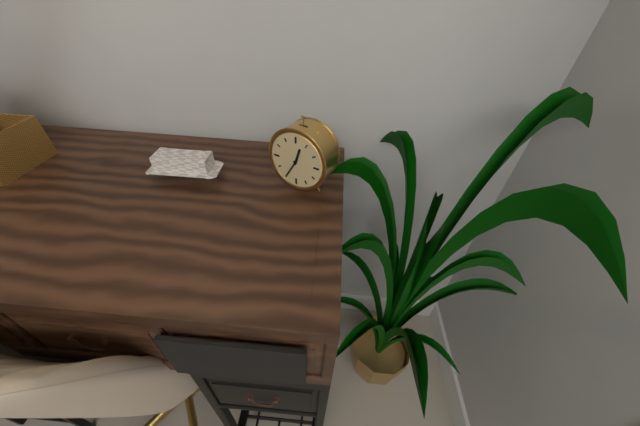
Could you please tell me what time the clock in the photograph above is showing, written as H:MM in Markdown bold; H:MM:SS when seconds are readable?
**12:35**
